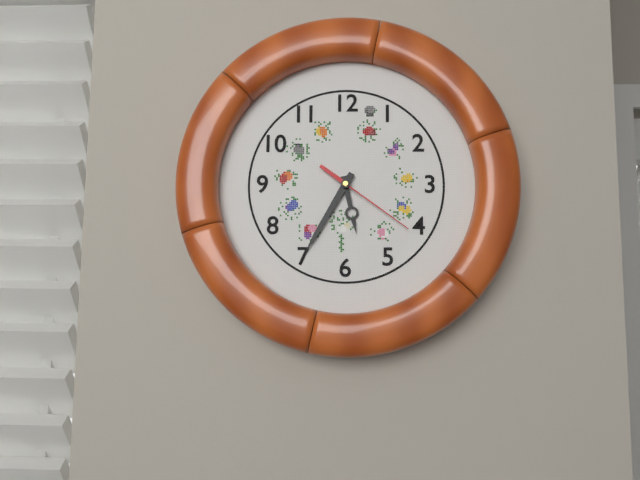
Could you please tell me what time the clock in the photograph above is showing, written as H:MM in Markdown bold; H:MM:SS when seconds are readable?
**5:35:21**
